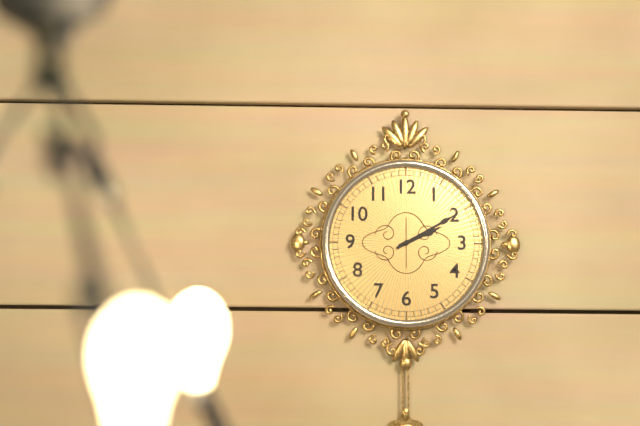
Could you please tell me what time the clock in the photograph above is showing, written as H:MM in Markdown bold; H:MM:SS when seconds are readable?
**2:10**
